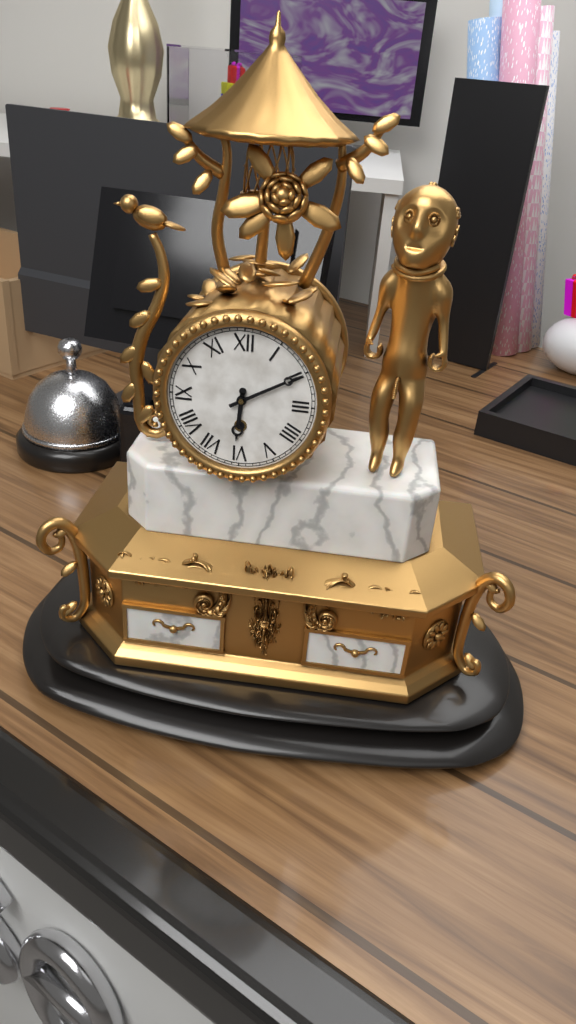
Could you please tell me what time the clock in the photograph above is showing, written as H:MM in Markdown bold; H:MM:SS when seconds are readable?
**6:10**
